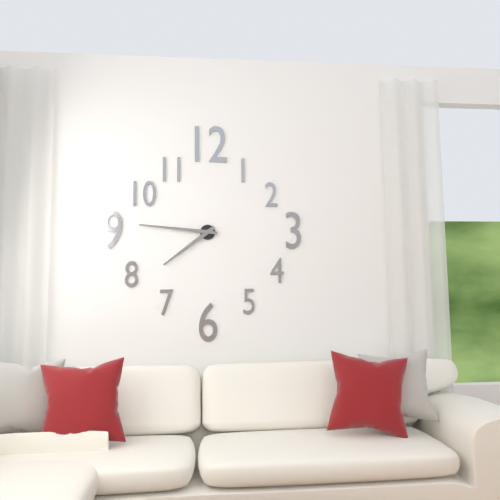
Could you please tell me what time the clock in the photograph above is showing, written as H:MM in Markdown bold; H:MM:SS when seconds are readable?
**7:46**
